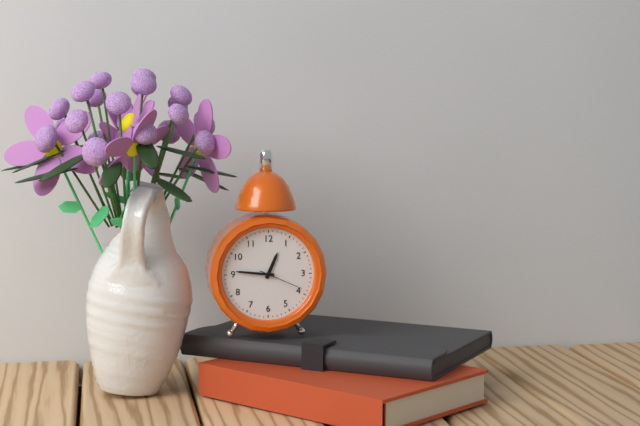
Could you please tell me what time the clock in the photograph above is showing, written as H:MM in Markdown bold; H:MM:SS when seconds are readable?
**12:46**
